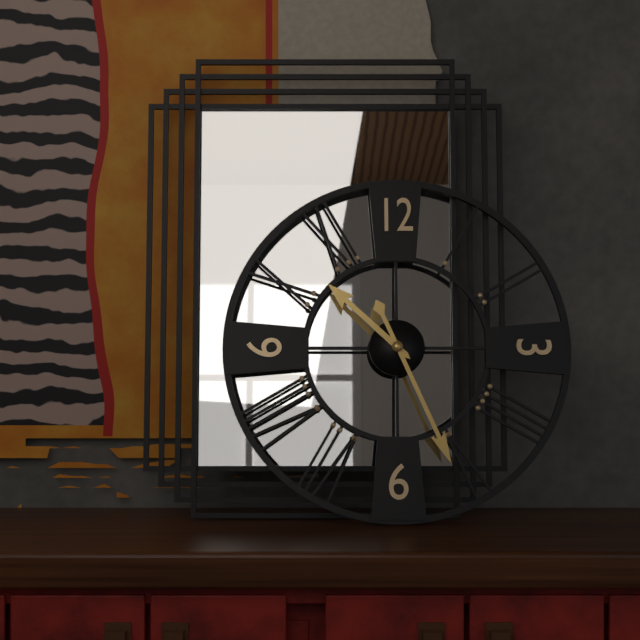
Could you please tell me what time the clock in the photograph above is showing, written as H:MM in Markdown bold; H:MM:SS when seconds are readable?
**10:26**
